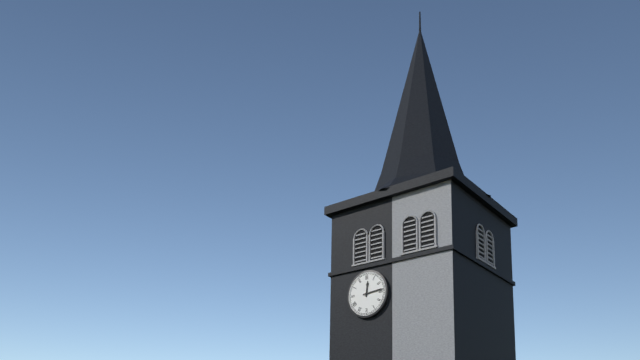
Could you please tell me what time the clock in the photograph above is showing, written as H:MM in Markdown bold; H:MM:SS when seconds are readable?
**12:14**
